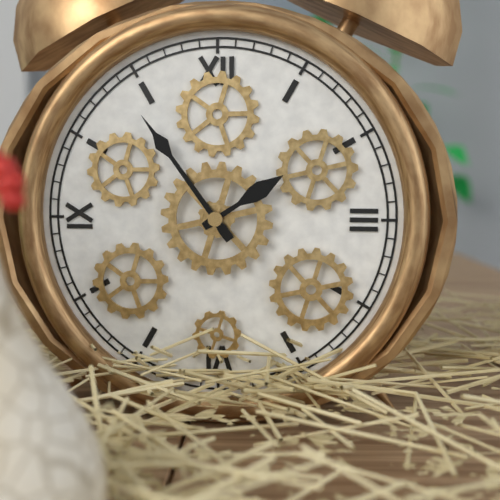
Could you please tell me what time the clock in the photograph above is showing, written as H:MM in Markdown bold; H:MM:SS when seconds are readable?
**1:54**
